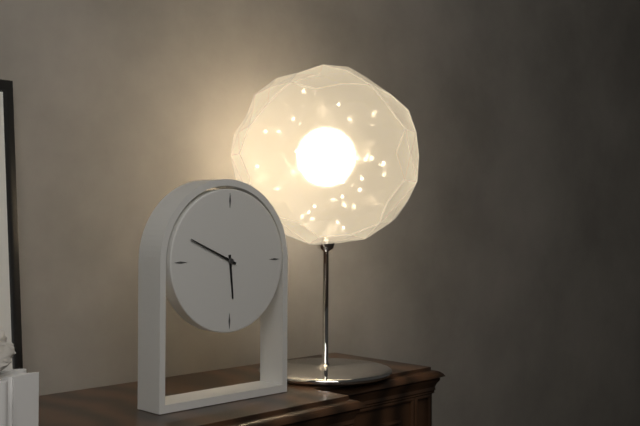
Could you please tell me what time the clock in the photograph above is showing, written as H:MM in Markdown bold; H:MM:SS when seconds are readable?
**5:49**
